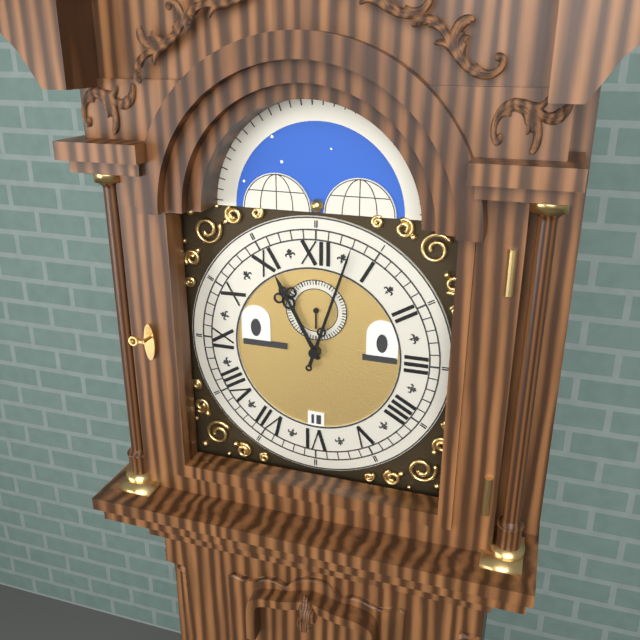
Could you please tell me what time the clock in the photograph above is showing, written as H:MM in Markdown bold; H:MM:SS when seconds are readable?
**11:03**
